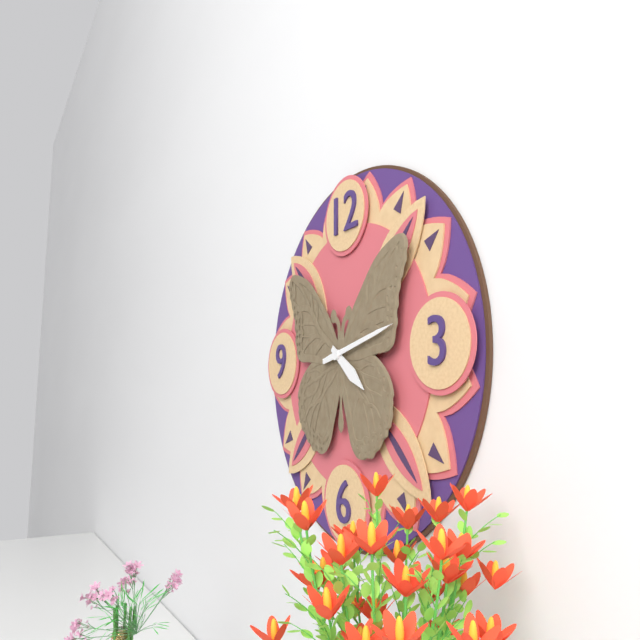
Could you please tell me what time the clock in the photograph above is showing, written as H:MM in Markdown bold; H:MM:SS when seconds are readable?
**4:13**
